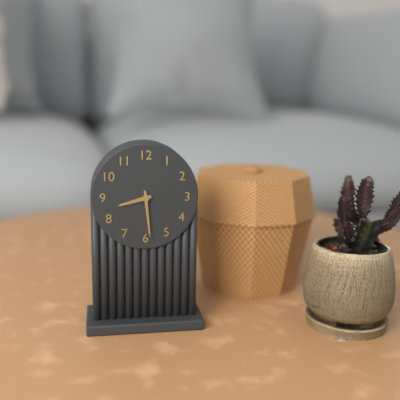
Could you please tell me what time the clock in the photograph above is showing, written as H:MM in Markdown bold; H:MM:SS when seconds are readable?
**8:29**
